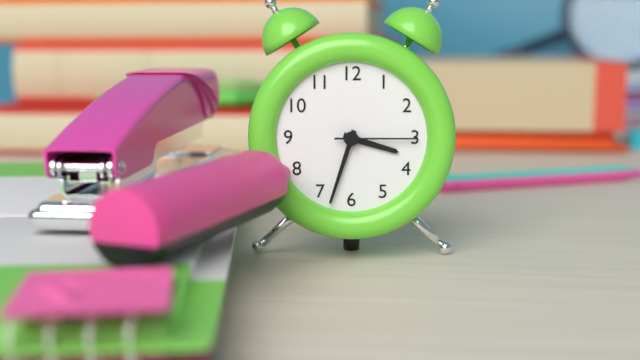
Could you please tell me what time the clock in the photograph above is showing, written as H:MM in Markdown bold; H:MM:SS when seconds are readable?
**3:33:15**
